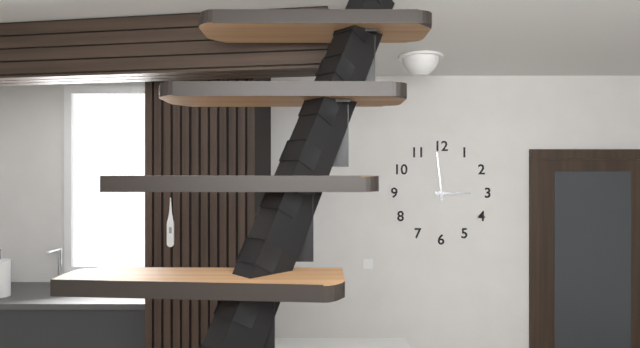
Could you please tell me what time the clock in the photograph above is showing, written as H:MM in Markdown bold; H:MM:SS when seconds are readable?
**2:59**
